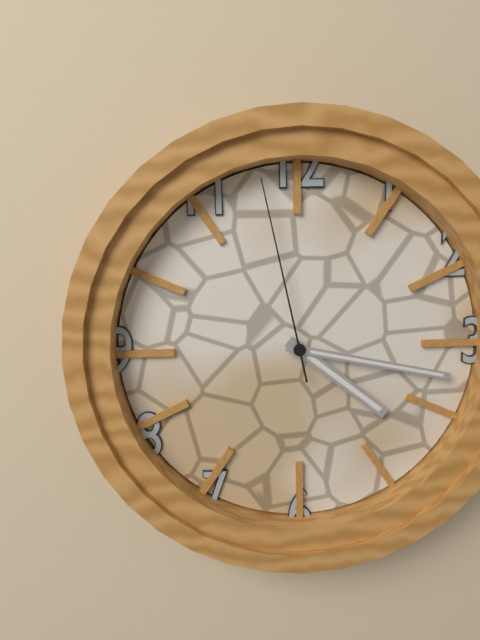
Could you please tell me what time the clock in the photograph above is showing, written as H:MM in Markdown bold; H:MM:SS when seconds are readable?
**4:17:58**
